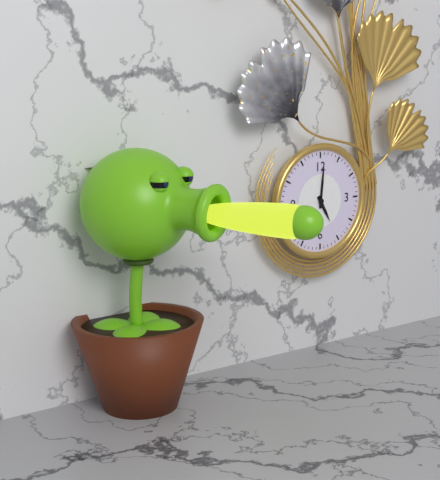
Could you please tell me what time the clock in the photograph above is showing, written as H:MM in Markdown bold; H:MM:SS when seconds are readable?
**5:01**
